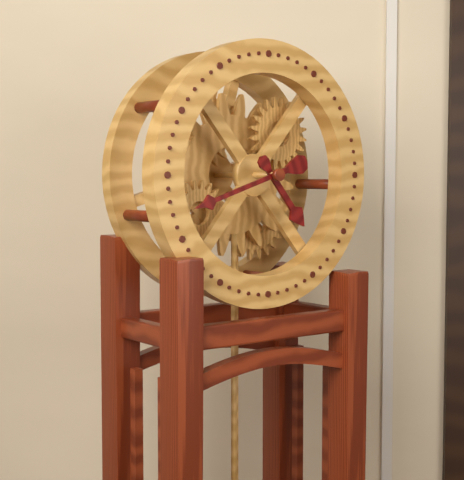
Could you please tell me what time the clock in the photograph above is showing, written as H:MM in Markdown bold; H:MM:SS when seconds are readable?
**4:42**
